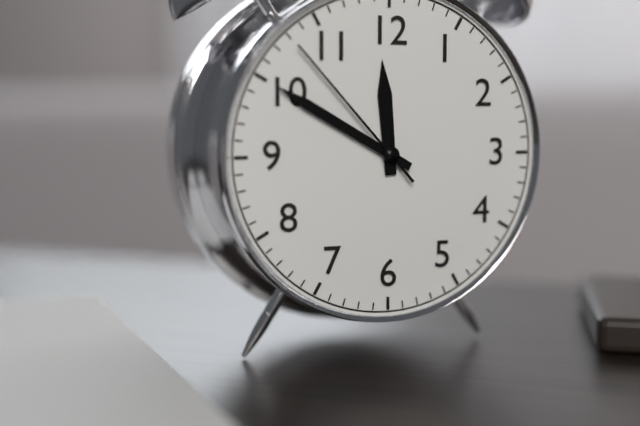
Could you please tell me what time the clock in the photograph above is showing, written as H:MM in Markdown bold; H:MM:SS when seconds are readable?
**11:50:53**
